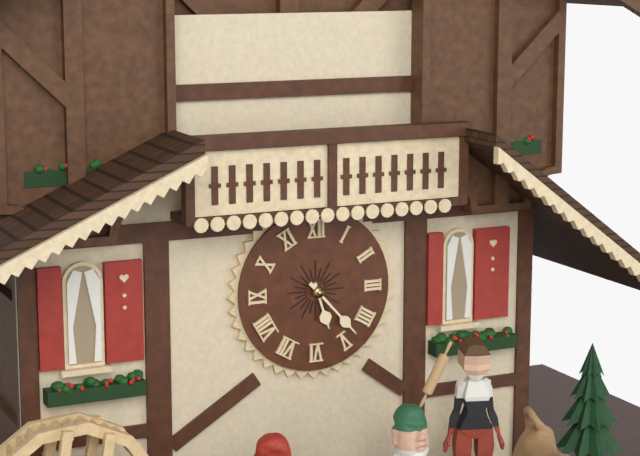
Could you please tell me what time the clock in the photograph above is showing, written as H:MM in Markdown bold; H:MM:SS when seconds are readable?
**5:23**
